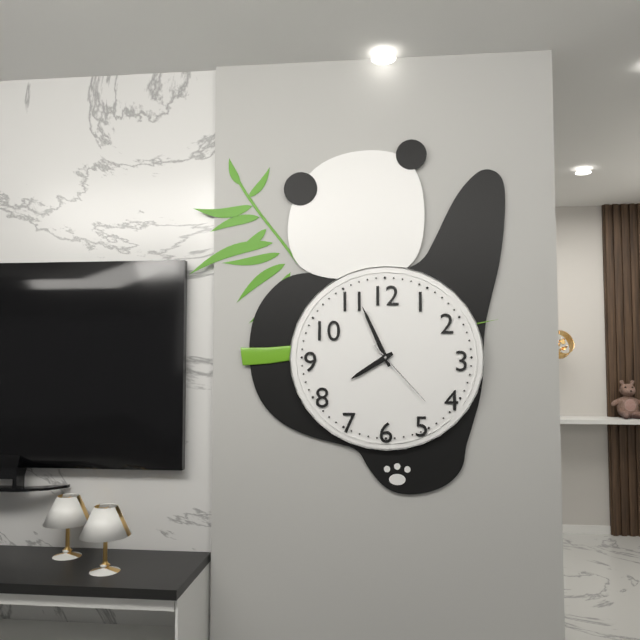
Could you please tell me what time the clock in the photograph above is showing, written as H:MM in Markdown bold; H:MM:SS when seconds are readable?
**7:56:23**
